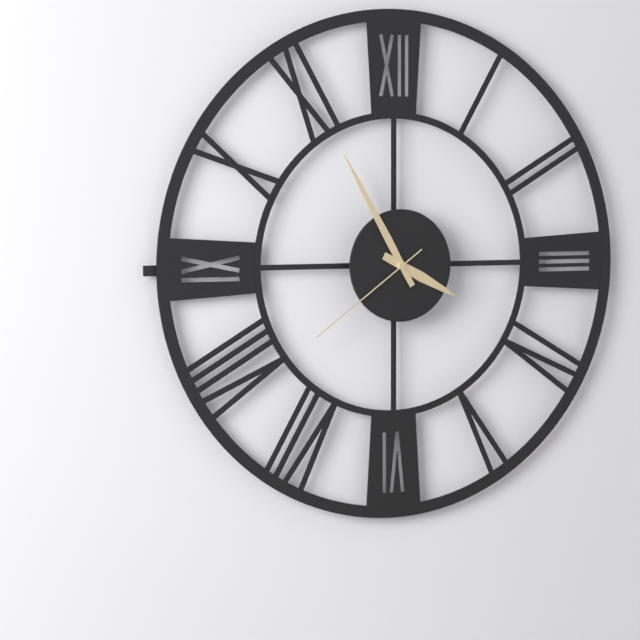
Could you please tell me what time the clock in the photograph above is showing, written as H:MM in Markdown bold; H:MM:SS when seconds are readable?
**3:55:39**
